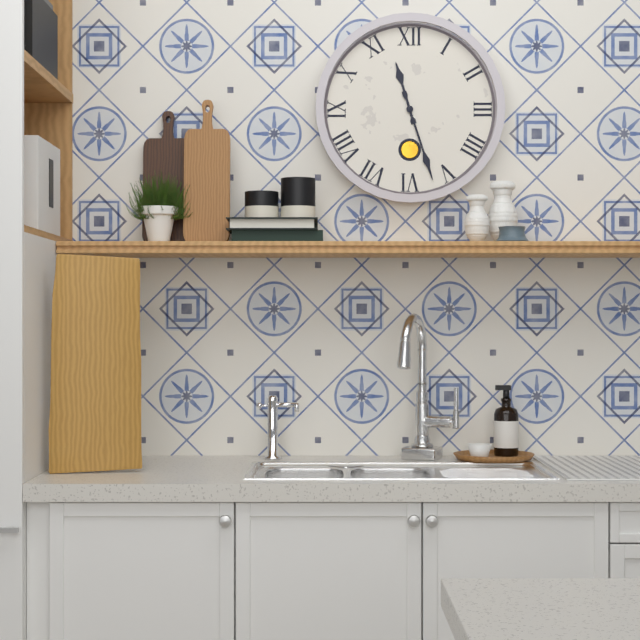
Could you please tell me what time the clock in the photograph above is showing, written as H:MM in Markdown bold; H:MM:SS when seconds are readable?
**11:27**
